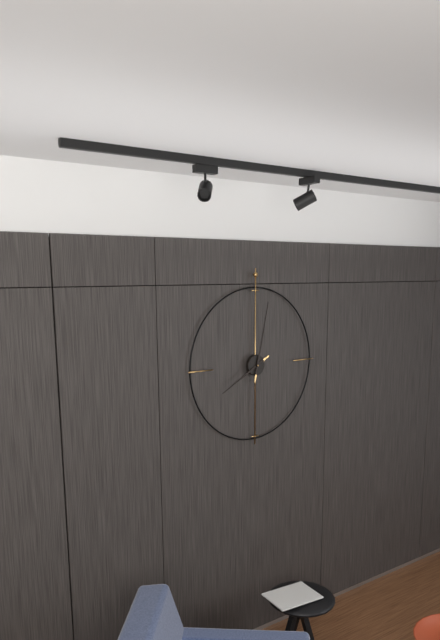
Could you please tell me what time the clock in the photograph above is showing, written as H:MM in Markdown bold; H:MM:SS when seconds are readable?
**8:02**
